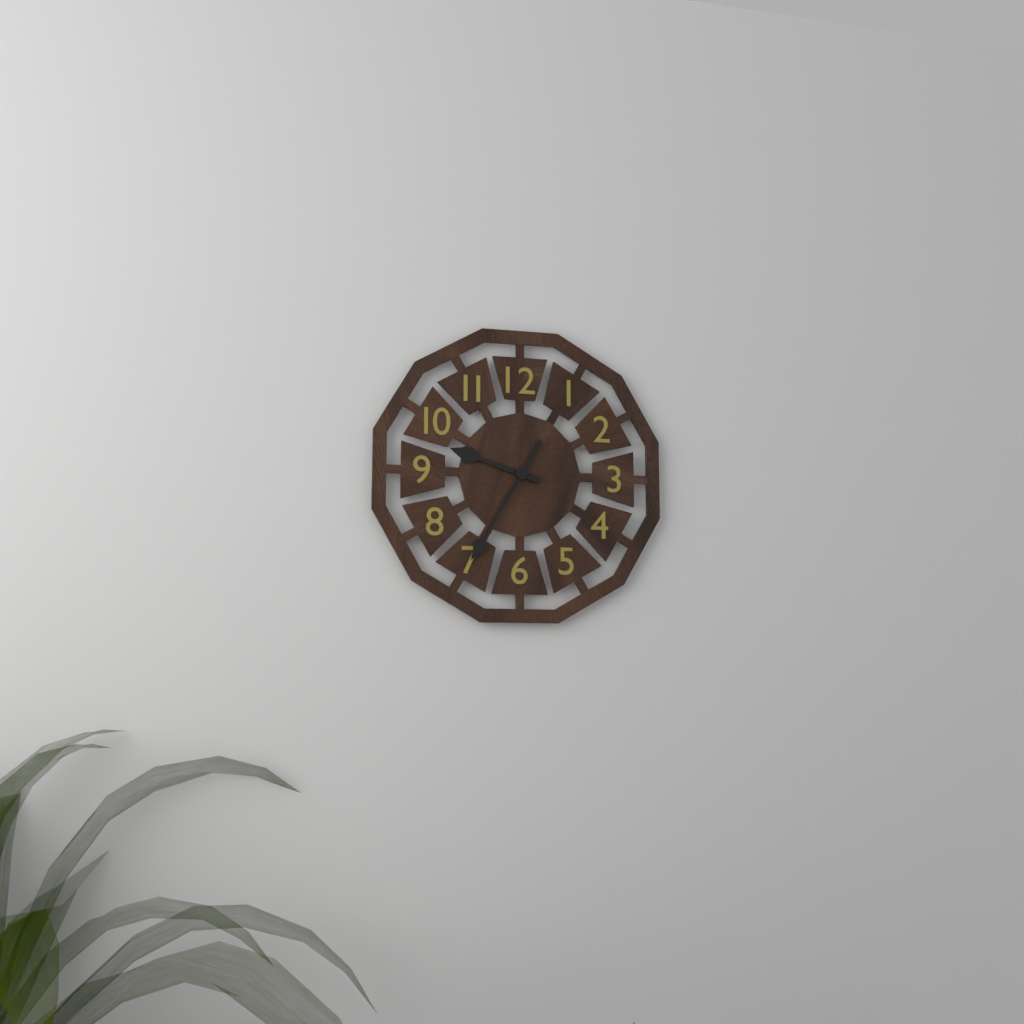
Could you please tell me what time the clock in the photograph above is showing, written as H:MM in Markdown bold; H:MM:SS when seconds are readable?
**9:35**
